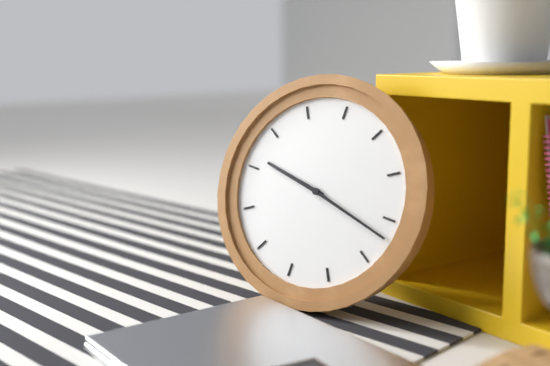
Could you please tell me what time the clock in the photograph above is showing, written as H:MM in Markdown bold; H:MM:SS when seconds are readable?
**9:17**
